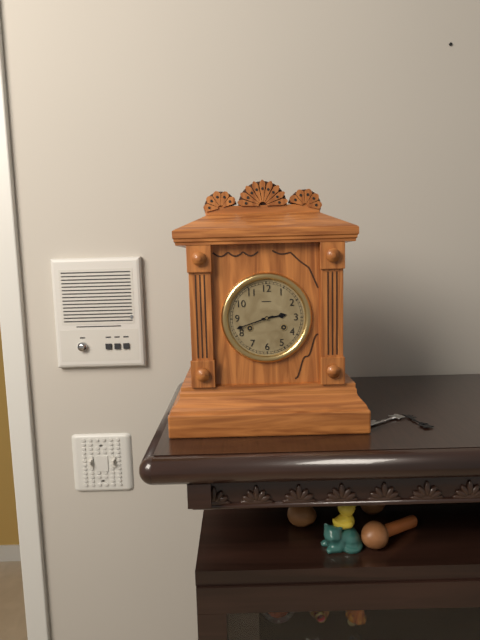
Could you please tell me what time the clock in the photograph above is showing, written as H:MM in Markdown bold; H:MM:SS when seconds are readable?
**2:42**
